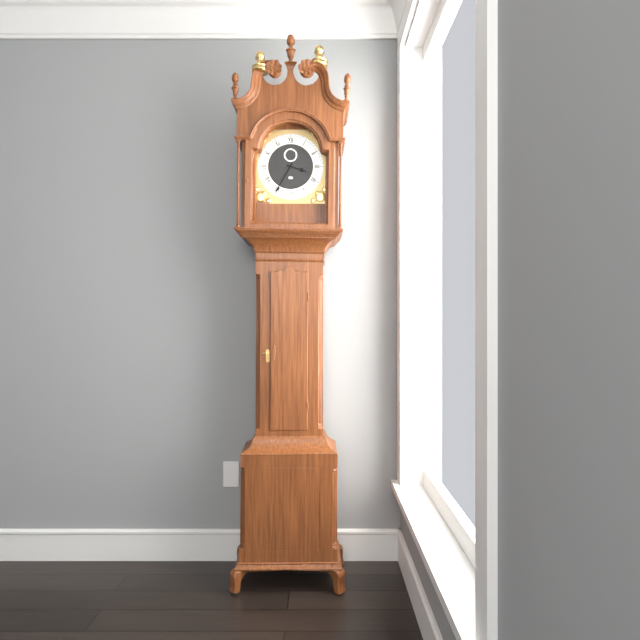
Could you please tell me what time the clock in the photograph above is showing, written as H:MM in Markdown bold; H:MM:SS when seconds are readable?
**3:35**
